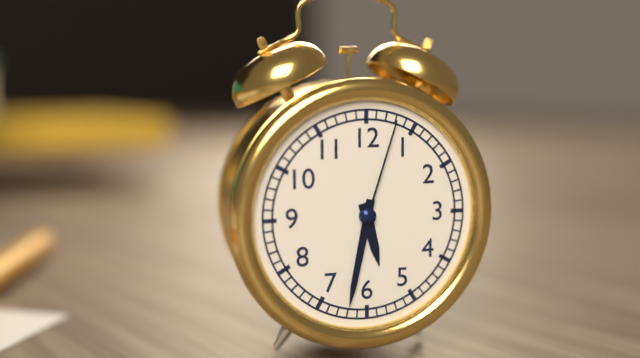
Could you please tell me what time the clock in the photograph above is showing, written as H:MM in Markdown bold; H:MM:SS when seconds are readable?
**5:32:03**
